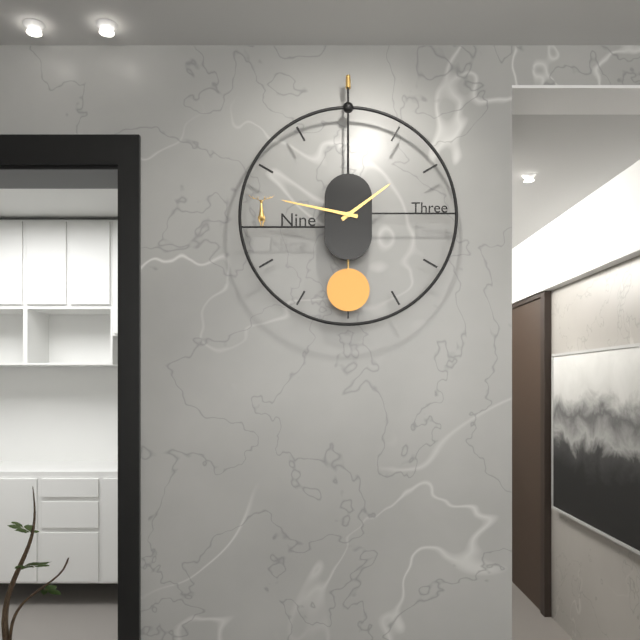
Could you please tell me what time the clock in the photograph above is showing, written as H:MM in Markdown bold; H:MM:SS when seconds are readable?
**1:47**
